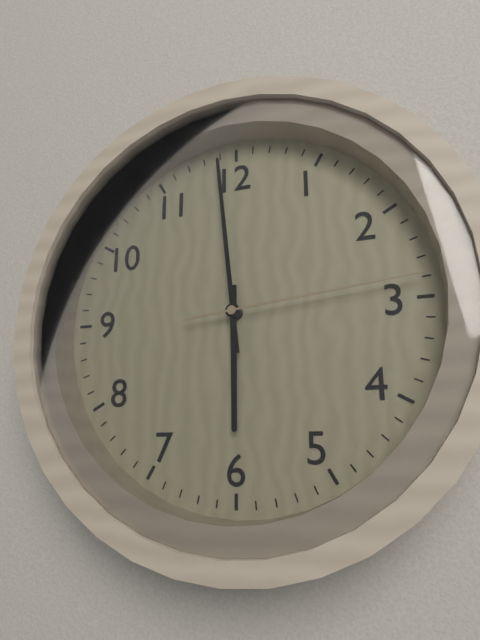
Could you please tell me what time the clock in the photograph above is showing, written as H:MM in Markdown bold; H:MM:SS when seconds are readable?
**5:59:14**
